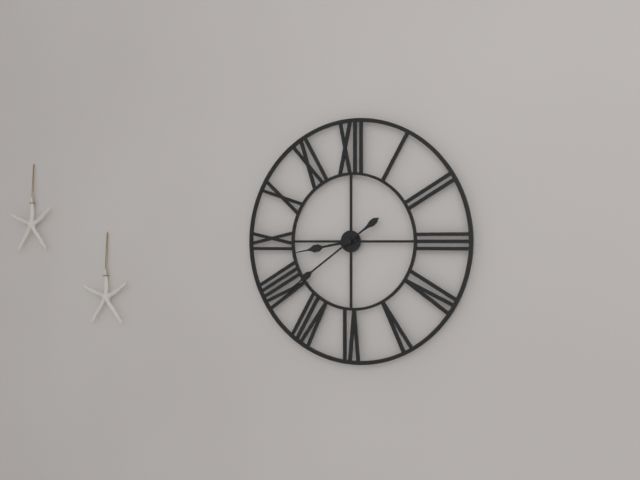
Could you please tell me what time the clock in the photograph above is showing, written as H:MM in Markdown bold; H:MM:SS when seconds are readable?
**8:39**
